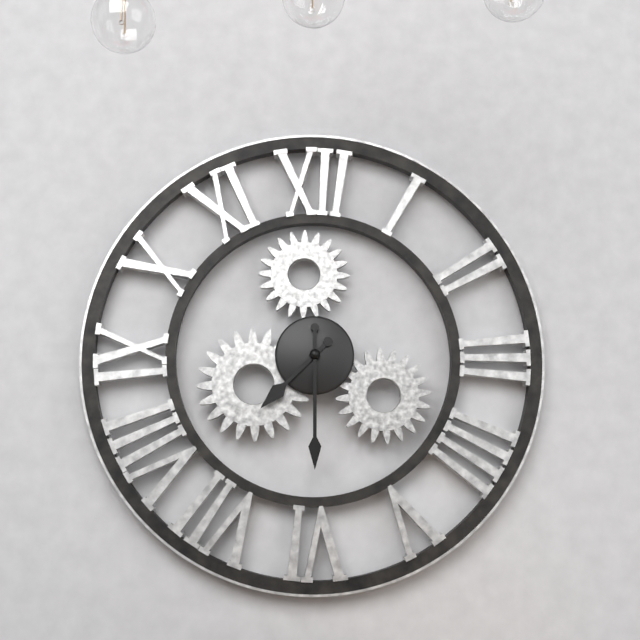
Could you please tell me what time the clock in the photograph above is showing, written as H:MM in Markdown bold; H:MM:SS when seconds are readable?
**7:30**
